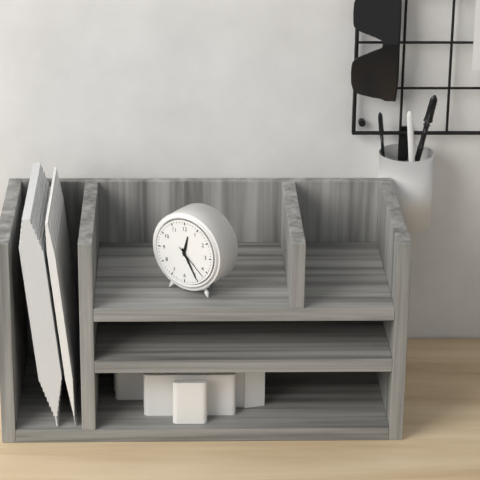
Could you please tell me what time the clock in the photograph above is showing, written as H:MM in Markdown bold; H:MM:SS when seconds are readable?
**12:25**
